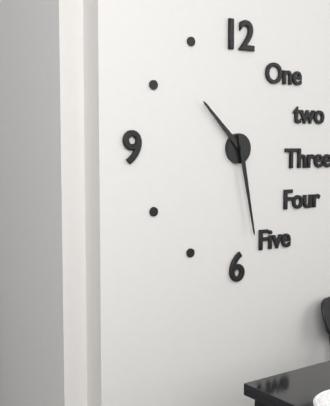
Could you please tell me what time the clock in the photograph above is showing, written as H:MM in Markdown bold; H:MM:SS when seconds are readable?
**10:28**
